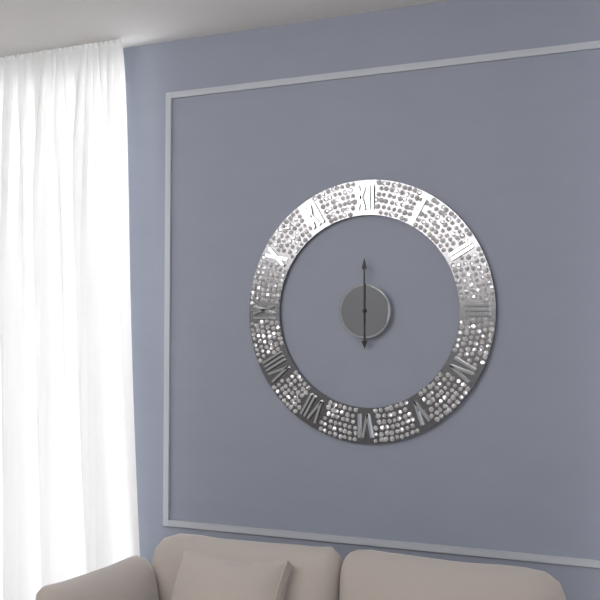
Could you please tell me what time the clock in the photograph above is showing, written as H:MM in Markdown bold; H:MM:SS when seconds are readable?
**6:00**
